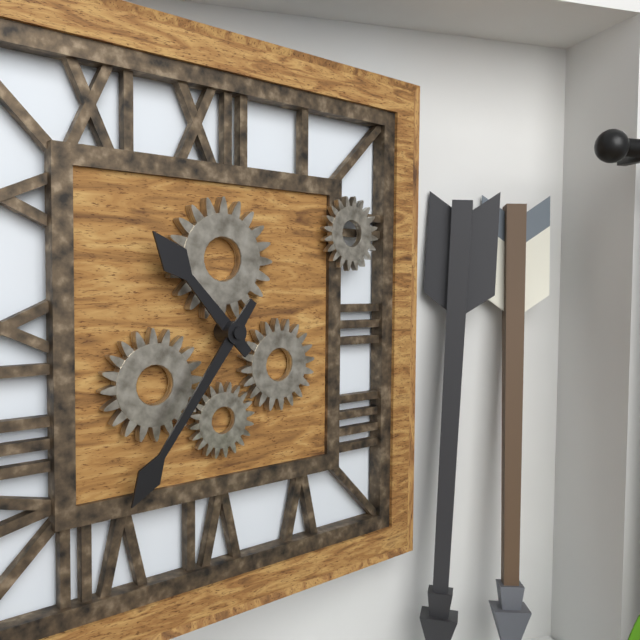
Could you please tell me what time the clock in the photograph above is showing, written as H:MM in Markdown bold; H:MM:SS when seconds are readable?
**10:36**
